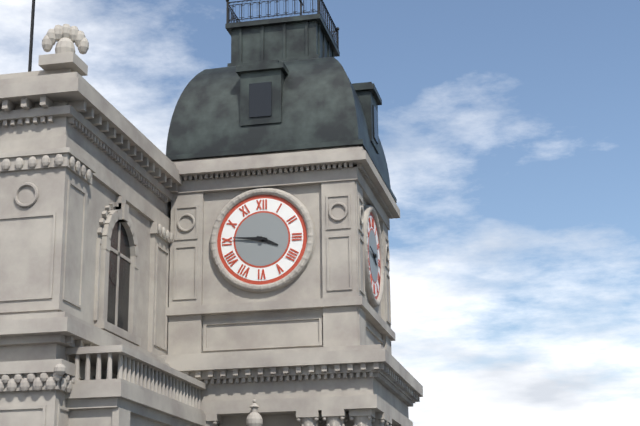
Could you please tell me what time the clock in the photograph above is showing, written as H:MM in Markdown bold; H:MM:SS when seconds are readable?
**3:46**
